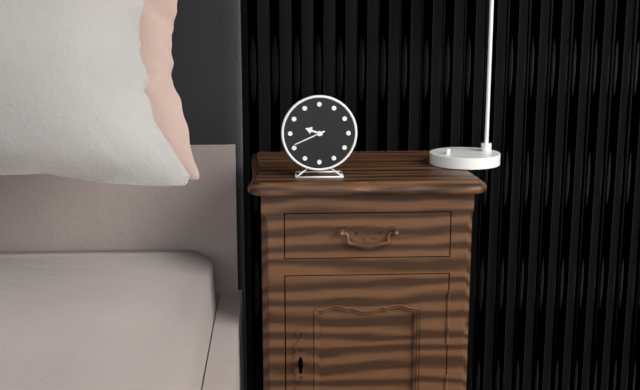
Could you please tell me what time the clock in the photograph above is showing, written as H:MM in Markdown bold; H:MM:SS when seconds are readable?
**9:41**
